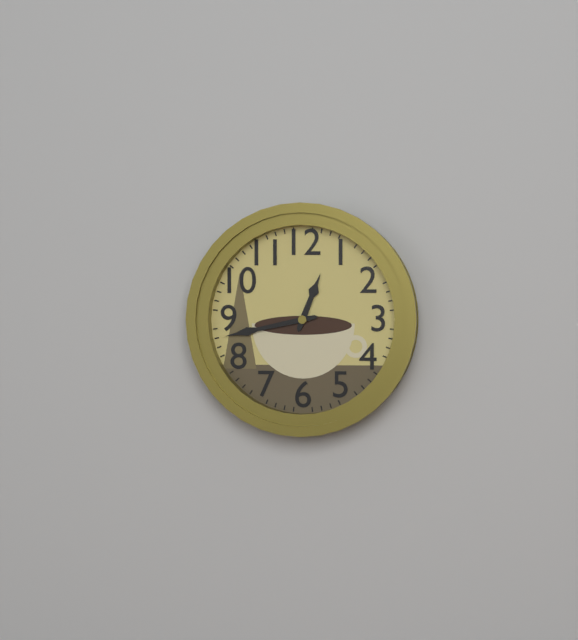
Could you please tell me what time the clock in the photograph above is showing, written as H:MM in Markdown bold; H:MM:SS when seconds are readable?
**12:43**
